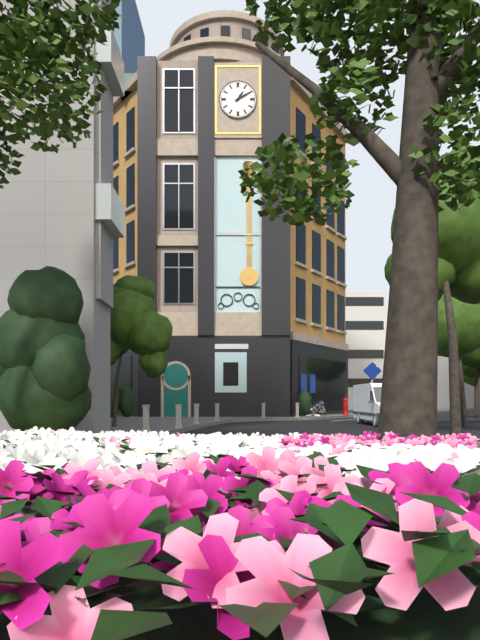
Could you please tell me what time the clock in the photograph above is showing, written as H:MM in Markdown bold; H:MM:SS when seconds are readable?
**1:10**
